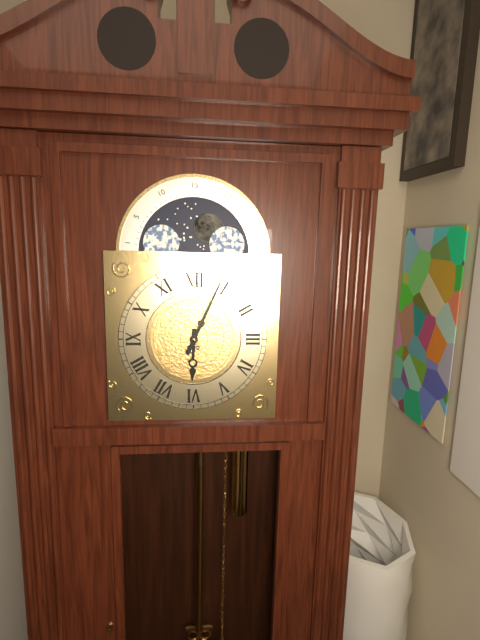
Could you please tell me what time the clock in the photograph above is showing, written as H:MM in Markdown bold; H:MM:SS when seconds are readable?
**6:04**
